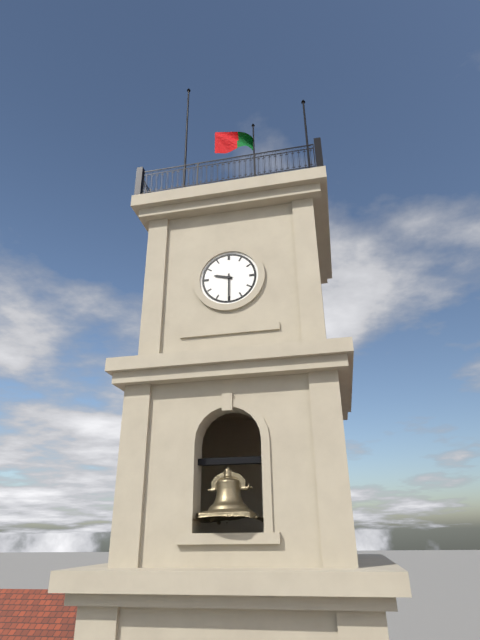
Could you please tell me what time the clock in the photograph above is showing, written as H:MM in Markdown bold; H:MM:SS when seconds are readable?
**9:30**
